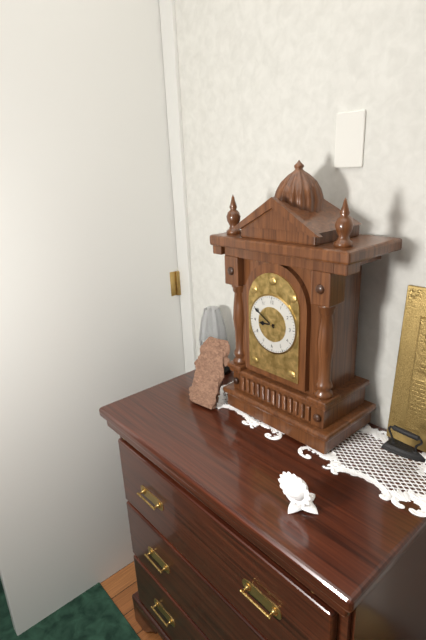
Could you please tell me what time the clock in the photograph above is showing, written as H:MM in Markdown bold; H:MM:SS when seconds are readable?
**8:50**
